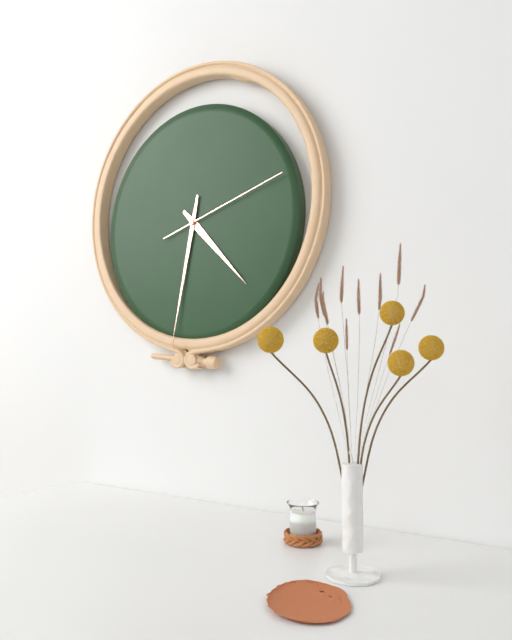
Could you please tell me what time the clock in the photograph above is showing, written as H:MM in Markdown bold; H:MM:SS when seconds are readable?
**4:32:12**
